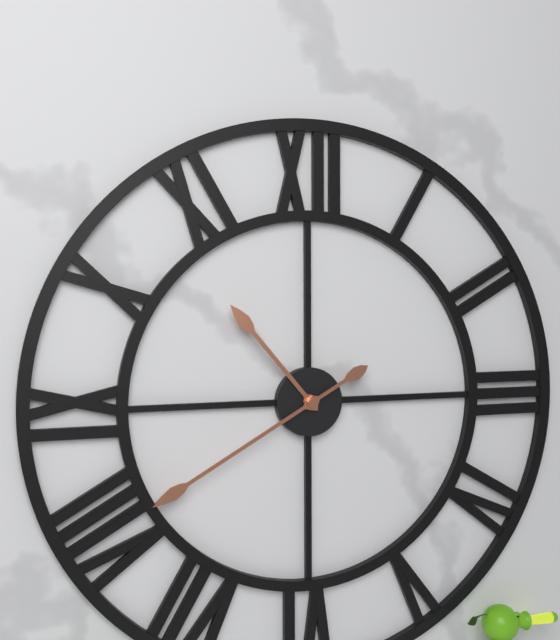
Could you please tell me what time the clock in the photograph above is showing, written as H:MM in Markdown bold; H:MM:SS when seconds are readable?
**10:40**
